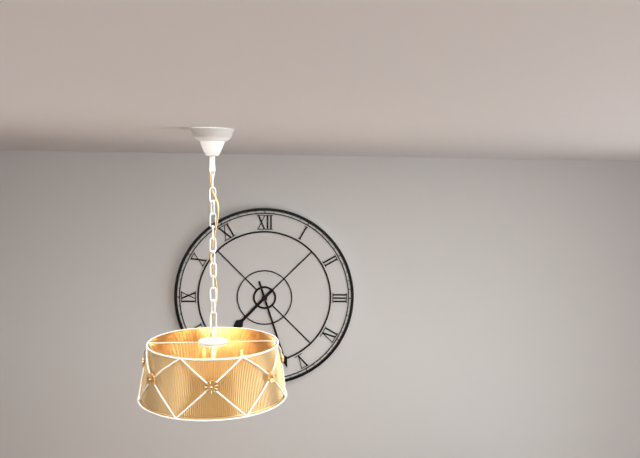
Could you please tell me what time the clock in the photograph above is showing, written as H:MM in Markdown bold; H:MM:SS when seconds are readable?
**7:27**
